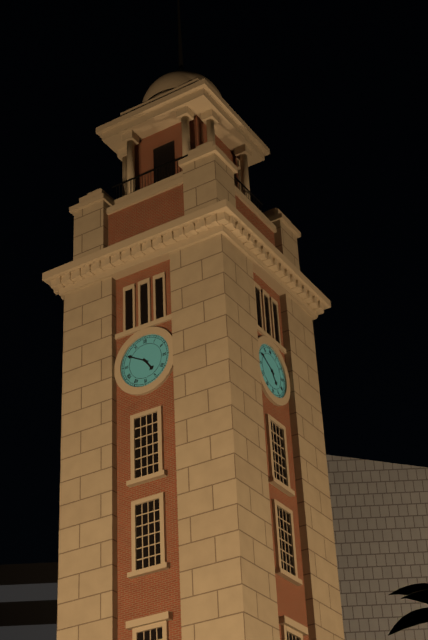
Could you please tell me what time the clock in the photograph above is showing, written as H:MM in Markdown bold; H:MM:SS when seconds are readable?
**4:50**
